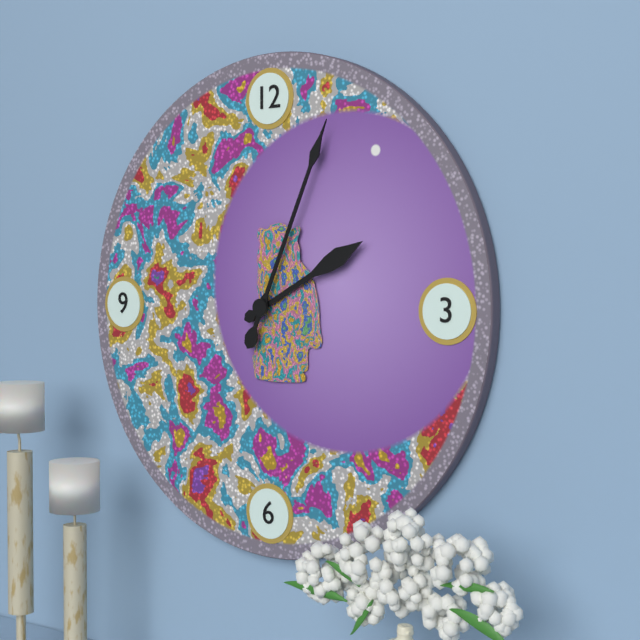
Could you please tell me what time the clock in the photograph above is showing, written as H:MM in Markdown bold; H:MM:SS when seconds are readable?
**2:04**
